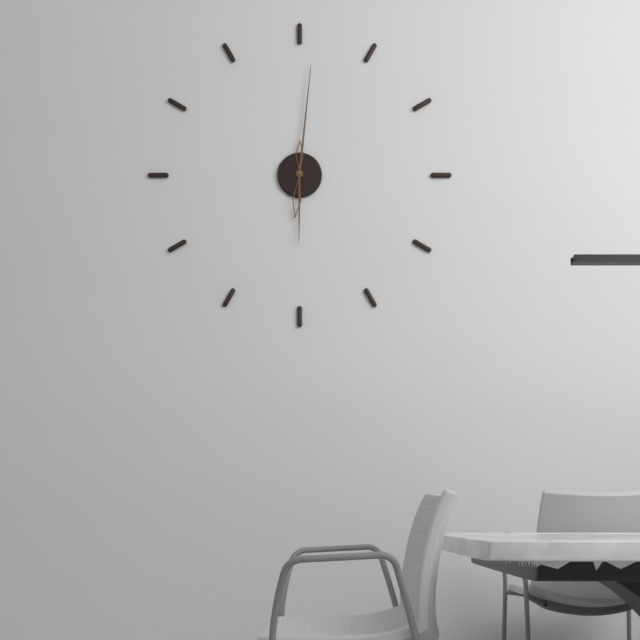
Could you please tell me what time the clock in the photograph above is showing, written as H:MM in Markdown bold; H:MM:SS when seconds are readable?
**6:01**
